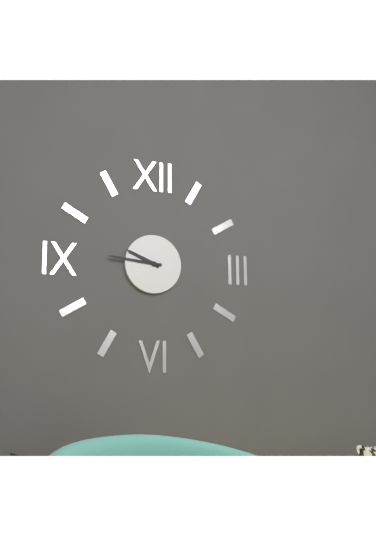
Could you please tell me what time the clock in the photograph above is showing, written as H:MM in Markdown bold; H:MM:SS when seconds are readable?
**9:46**
